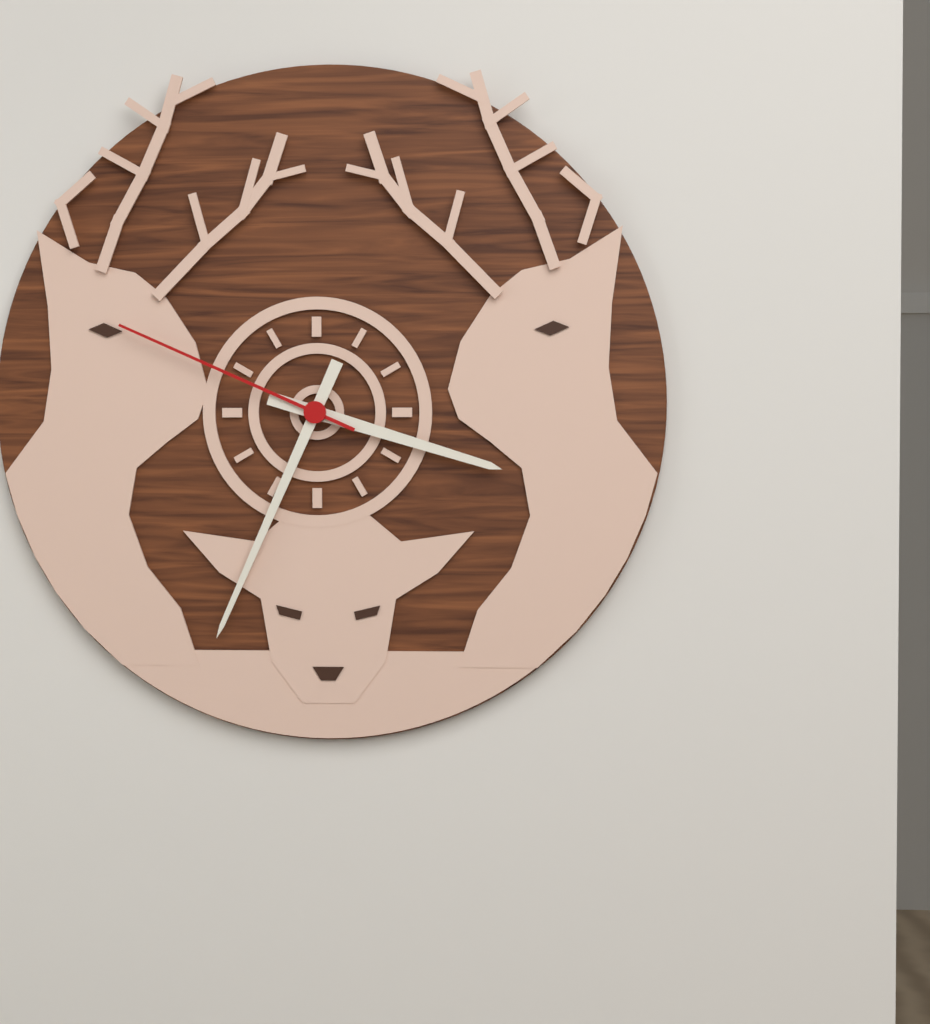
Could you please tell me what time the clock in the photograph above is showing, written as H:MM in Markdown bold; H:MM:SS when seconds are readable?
**3:34:49**
